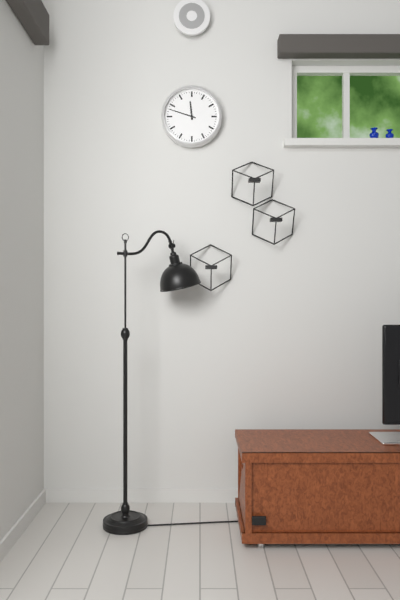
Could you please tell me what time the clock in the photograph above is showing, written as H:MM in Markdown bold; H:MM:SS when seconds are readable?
**11:48**
